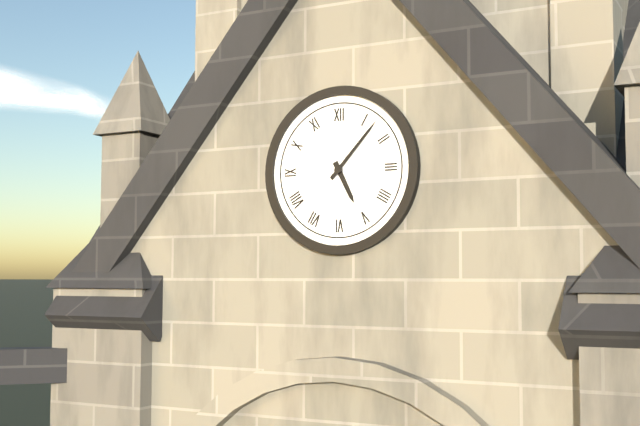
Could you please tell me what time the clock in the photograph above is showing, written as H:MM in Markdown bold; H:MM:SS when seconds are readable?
**5:07**
